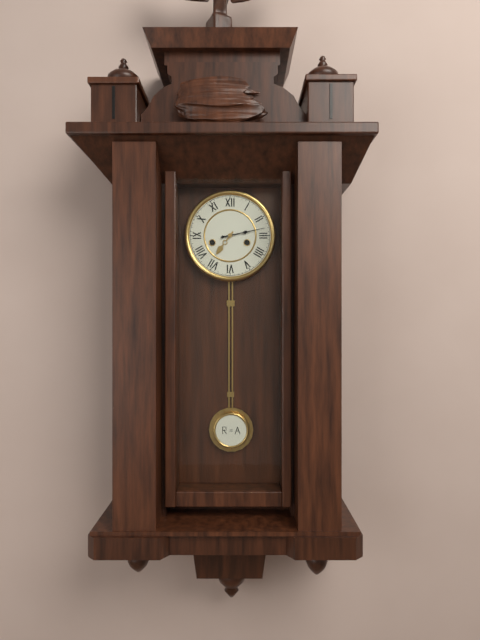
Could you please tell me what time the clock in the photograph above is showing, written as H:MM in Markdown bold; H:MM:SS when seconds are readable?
**7:13**
